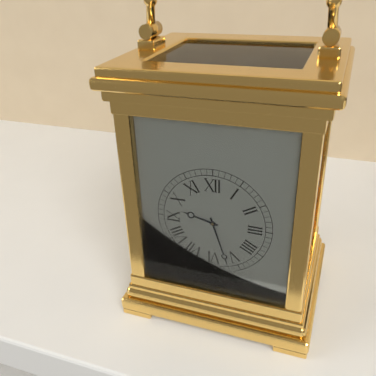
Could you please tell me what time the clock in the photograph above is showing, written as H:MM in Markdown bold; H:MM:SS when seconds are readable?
**9:27**
